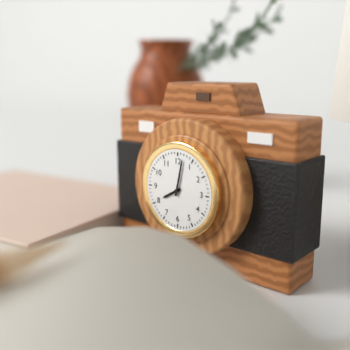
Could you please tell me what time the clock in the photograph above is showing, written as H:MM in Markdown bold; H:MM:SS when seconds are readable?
**8:02**
